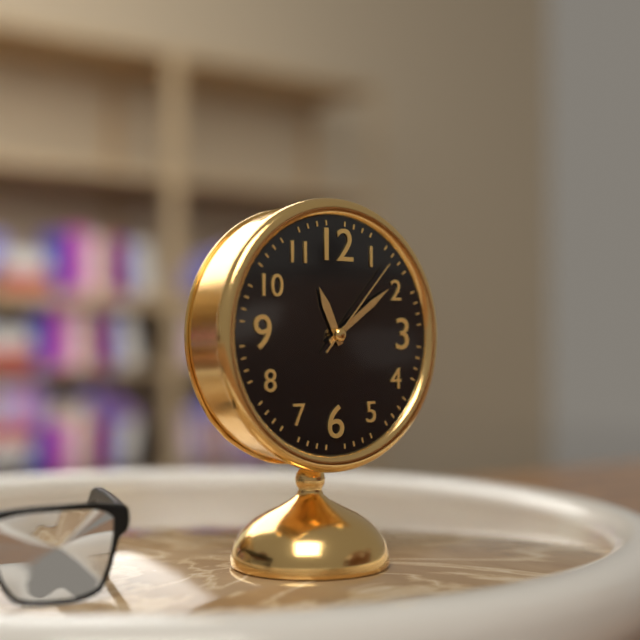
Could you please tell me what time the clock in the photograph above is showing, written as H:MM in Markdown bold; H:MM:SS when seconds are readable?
**11:09:07**
